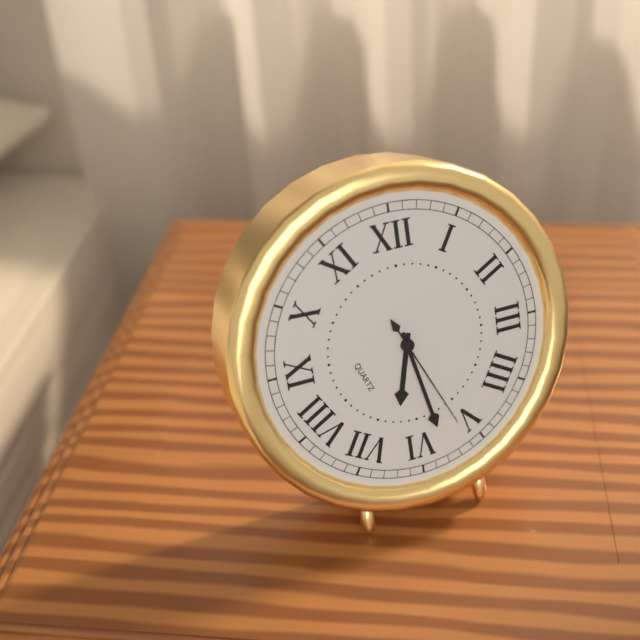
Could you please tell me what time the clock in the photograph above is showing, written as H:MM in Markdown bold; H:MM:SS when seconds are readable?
**6:28:26**
